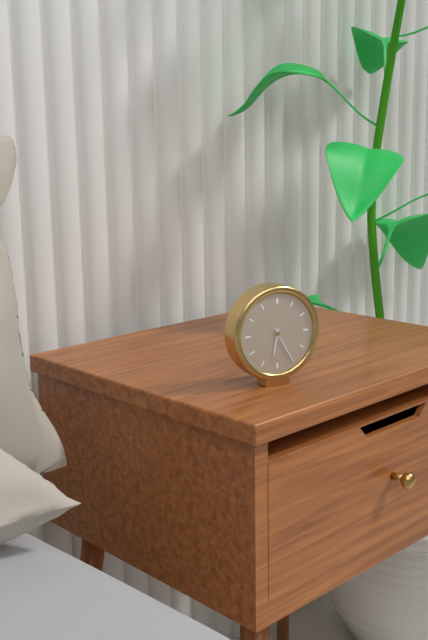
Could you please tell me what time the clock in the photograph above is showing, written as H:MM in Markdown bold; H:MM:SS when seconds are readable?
**6:25**
